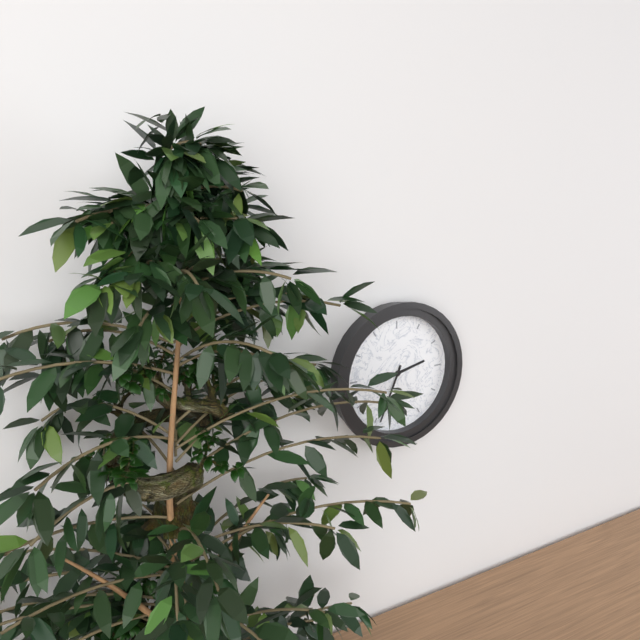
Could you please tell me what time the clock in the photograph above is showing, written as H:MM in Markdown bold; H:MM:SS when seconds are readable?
**2:34**
